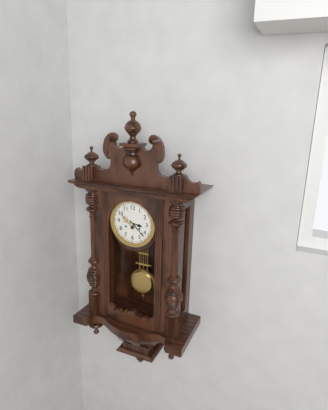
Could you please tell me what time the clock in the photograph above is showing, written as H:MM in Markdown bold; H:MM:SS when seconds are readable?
**3:22**
